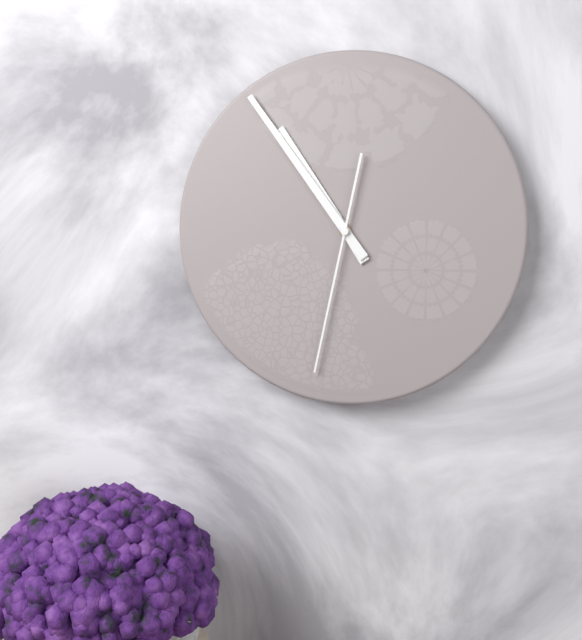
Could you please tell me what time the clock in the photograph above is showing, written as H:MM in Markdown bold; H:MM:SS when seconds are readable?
**10:54:32**
